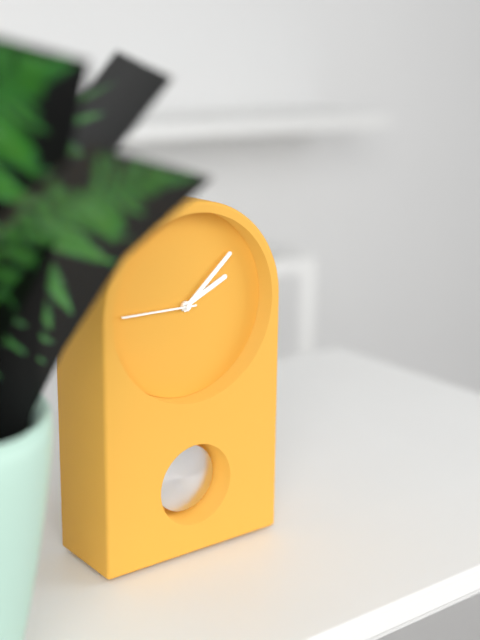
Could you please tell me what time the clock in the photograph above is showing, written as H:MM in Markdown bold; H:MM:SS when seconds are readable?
**2:08:45**
